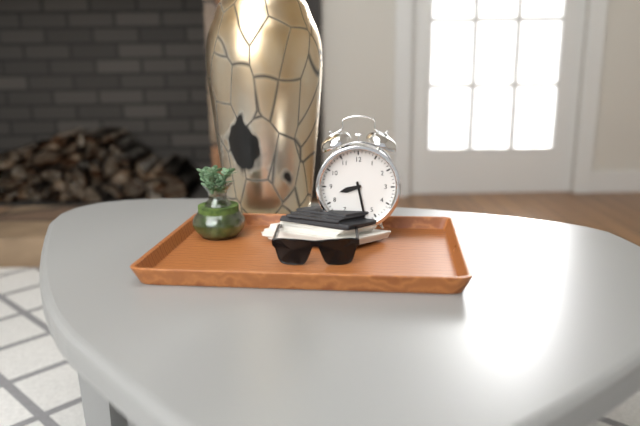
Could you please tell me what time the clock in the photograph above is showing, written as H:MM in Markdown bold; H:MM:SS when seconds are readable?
**8:28**
